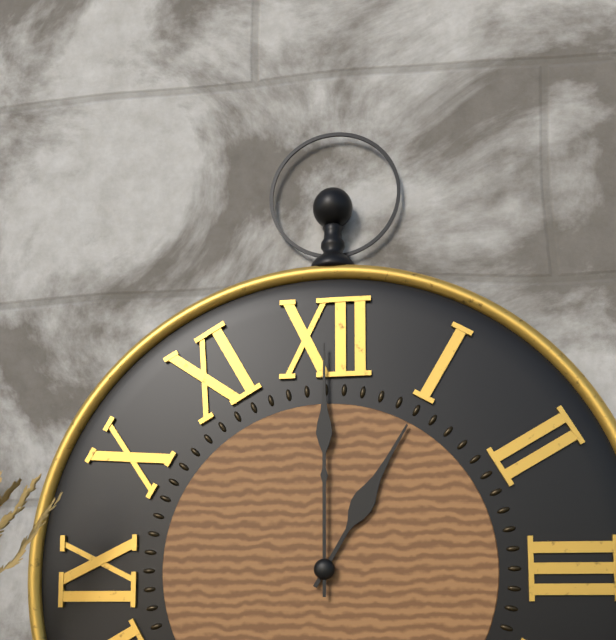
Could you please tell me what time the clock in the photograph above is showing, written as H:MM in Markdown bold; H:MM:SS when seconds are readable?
**1:00**
